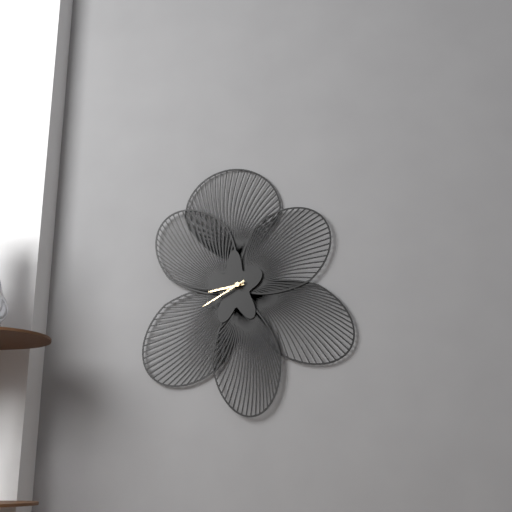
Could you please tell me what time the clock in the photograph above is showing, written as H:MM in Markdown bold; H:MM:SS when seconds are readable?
**8:40**
